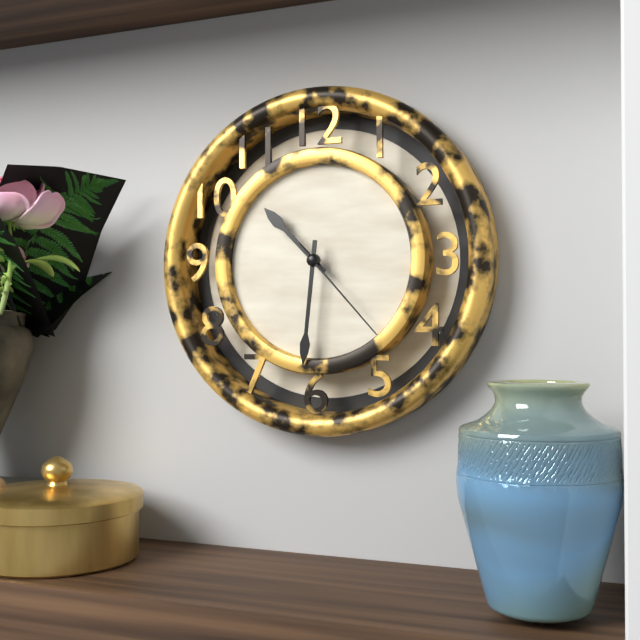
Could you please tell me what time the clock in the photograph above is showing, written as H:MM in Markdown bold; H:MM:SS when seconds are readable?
**10:31:23**
